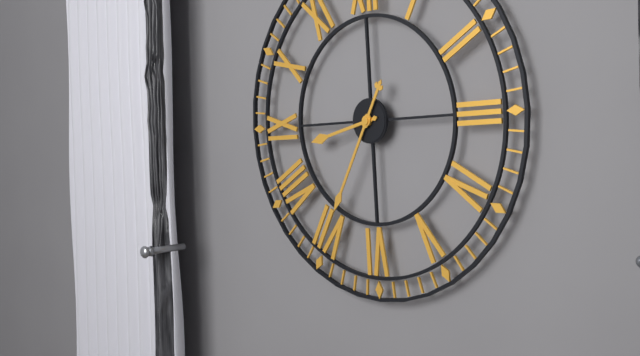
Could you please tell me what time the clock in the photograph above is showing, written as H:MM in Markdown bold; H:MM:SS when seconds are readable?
**8:35**
